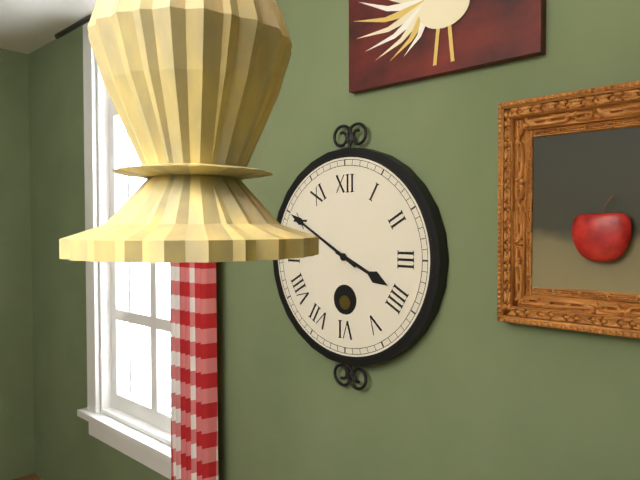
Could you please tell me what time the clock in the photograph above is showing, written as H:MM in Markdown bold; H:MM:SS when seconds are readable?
**3:50**
